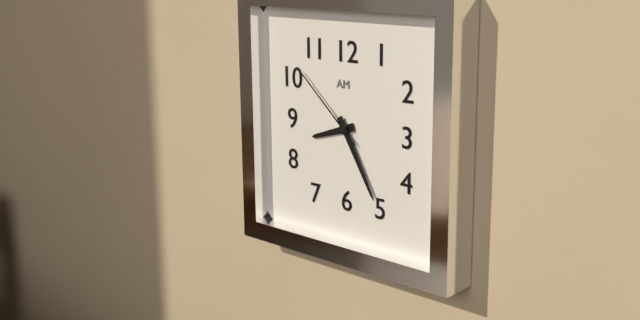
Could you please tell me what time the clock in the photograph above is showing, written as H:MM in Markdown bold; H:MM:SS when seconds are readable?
**8:25:52**
